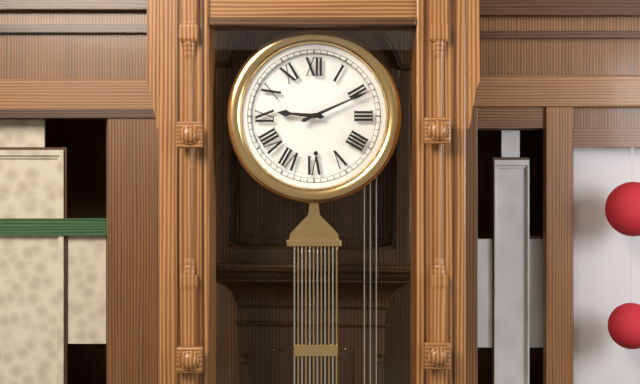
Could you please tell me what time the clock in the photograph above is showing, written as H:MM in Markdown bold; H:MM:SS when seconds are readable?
**9:11**
